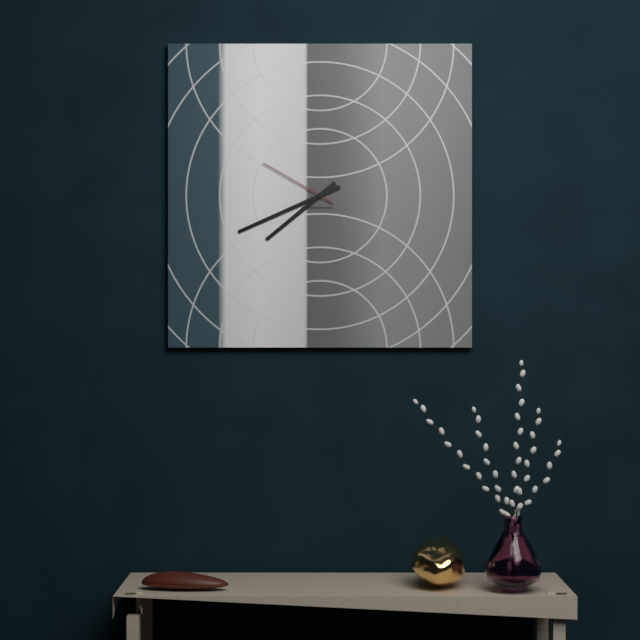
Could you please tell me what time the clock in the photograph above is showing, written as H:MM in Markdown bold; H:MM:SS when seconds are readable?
**7:41:50**
